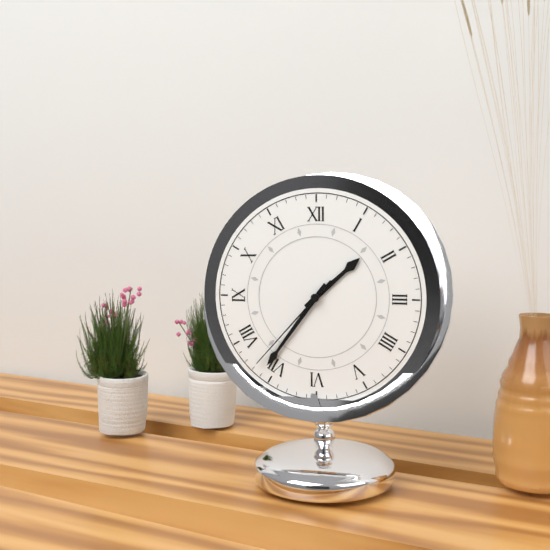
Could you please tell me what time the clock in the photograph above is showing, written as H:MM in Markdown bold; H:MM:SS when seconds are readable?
**1:36:37**
